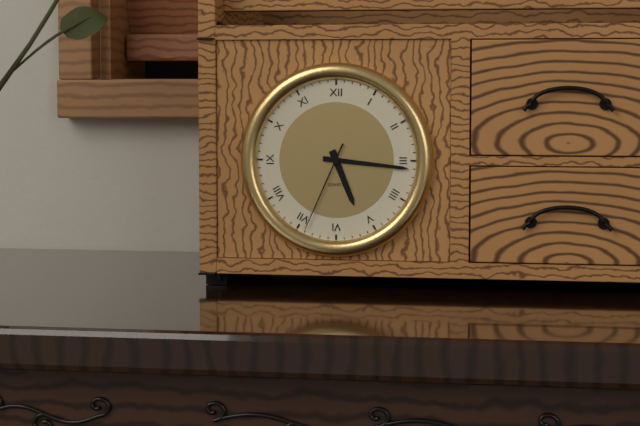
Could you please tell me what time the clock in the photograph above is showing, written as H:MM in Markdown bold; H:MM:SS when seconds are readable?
**5:16:34**
